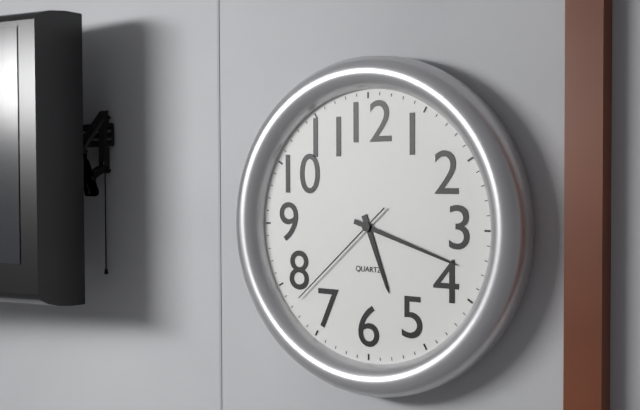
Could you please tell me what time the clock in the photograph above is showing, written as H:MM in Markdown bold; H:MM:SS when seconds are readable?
**5:18:38**
